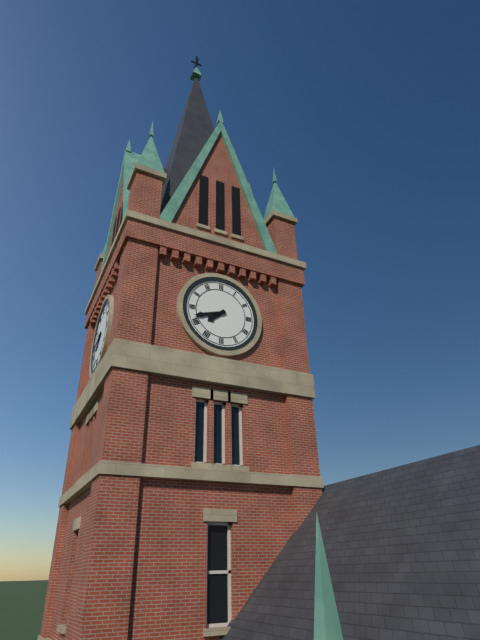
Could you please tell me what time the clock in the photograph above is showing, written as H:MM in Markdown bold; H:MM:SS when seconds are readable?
**7:42**
